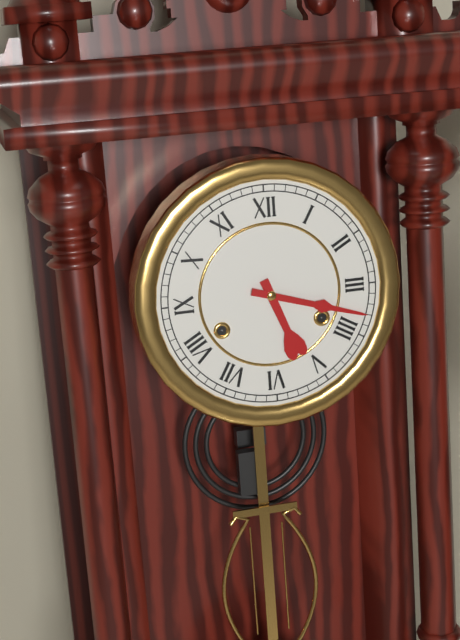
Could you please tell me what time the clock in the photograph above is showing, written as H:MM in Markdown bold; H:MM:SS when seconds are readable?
**5:18**
